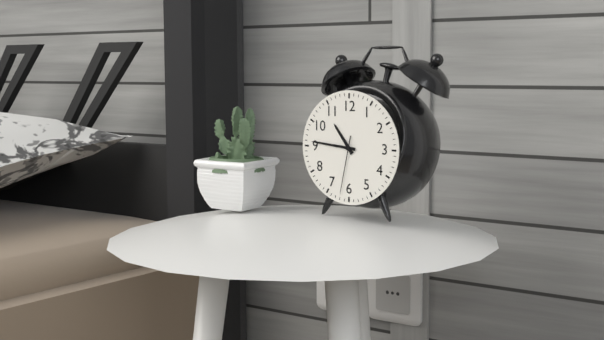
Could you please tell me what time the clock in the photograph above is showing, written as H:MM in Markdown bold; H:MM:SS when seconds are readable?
**10:46:32**
